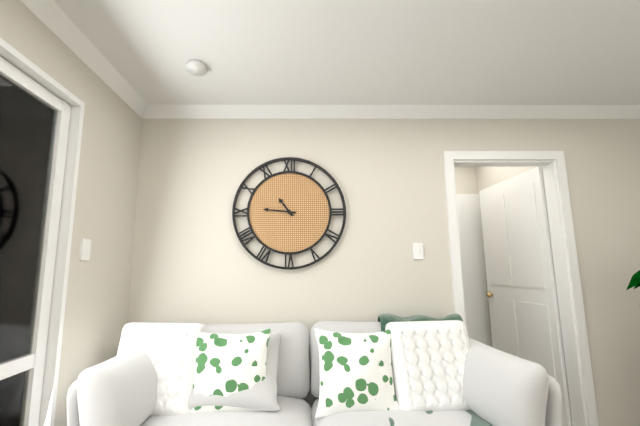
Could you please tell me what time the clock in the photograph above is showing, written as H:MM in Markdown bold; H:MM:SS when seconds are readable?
**10:46**
